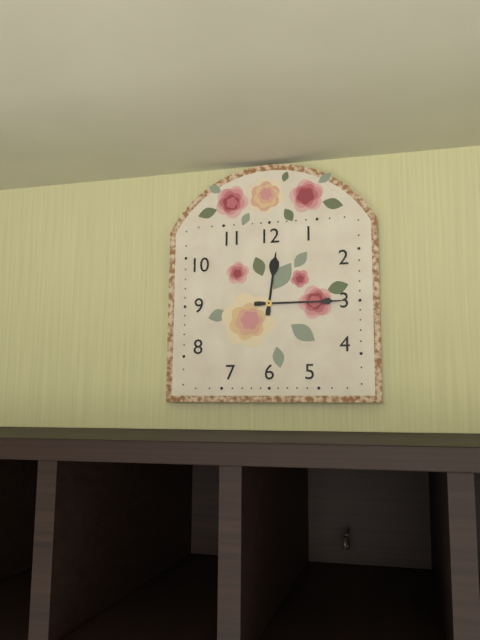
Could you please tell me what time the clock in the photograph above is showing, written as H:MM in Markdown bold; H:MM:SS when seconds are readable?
**12:15**
